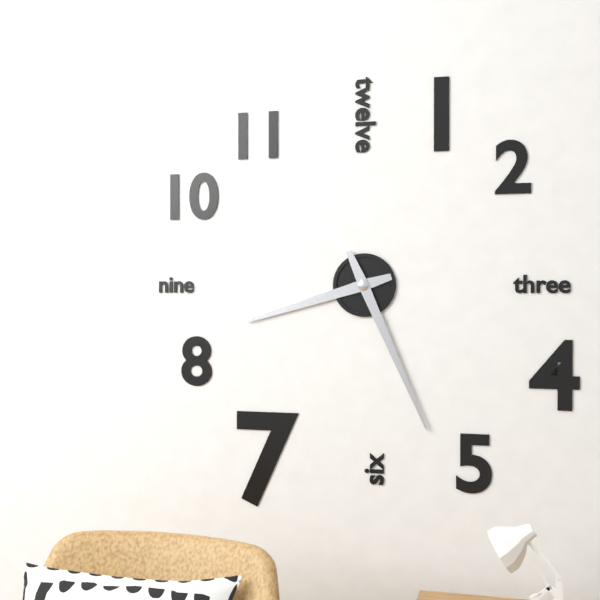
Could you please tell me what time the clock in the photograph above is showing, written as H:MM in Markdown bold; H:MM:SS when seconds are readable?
**8:26**
